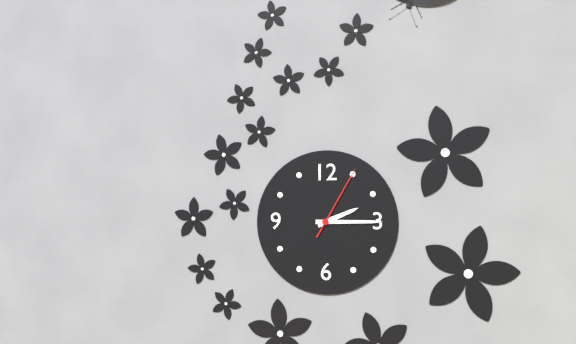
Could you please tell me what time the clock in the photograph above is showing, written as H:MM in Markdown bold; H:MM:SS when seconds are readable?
**2:15:05**
